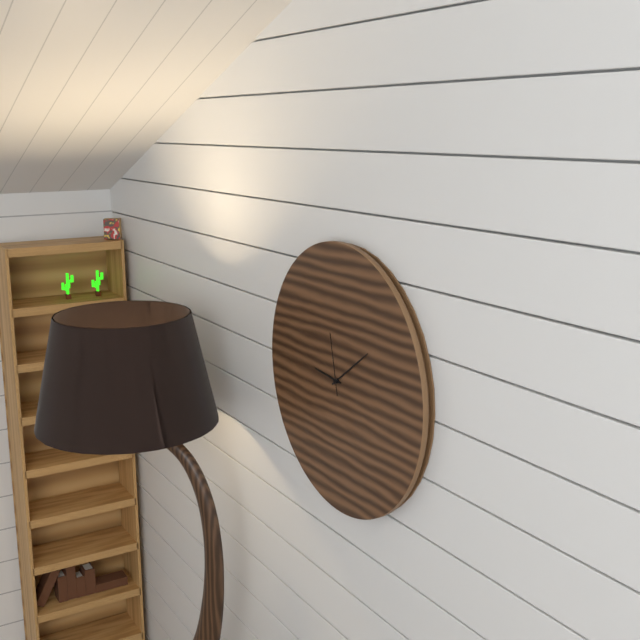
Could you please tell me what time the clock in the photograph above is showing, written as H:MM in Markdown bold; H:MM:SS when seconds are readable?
**9:09:58**
